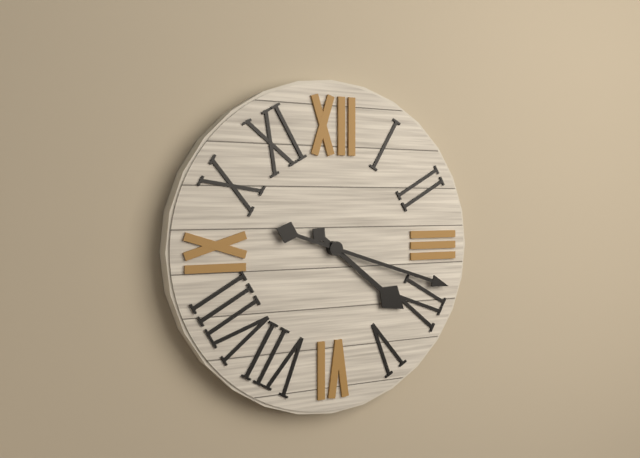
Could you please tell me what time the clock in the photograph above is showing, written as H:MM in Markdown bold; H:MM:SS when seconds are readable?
**4:18**
